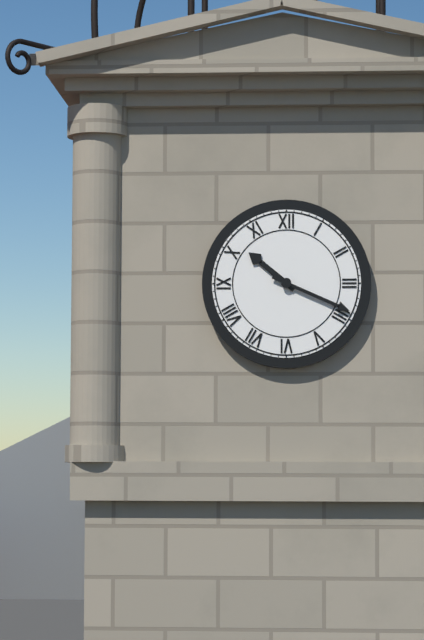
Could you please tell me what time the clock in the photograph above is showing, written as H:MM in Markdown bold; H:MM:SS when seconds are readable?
**10:19**
